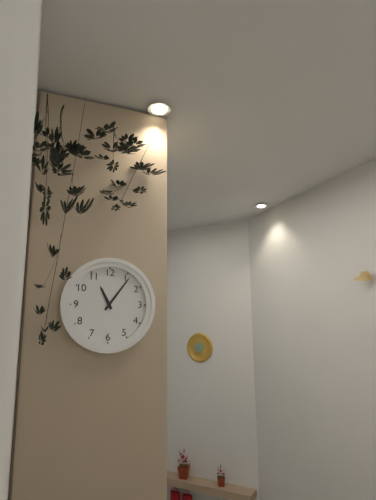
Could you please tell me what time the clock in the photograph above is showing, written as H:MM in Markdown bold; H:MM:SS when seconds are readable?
**11:06**
